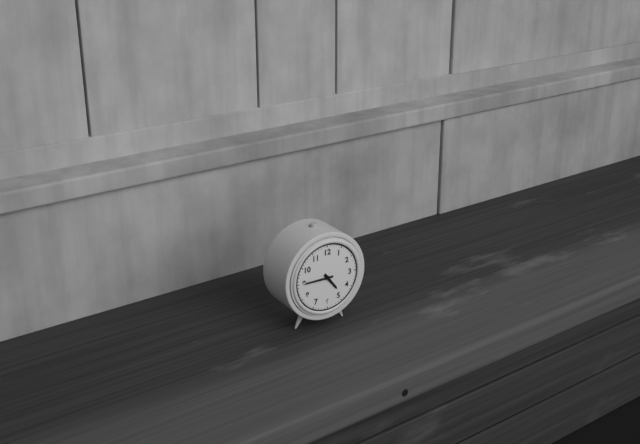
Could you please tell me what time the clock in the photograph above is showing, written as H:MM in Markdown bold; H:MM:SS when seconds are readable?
**4:45**
